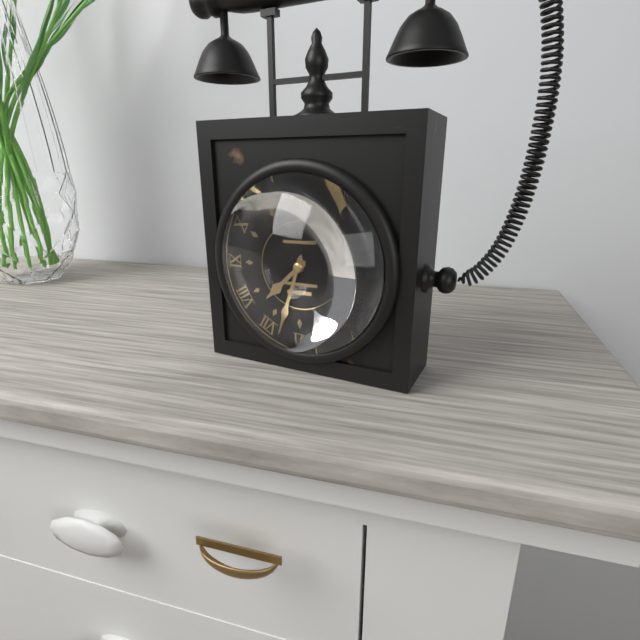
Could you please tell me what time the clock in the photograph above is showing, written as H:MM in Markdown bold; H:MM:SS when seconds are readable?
**7:33**
